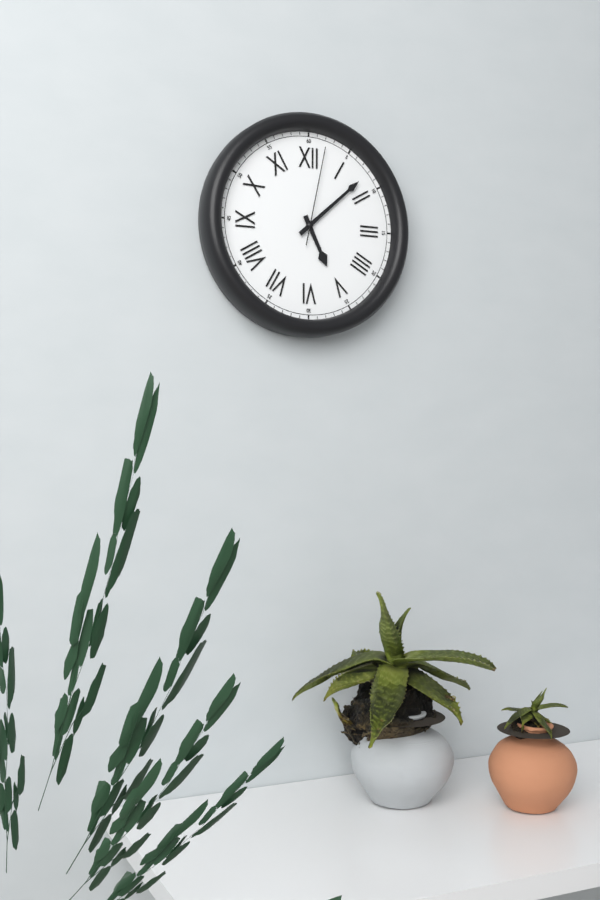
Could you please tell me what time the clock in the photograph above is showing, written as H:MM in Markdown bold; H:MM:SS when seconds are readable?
**5:08:02**
